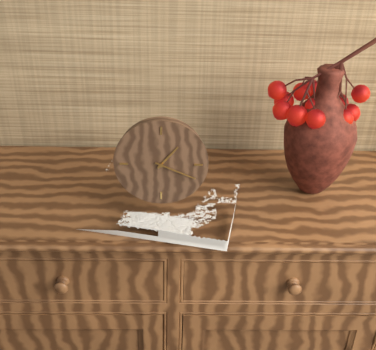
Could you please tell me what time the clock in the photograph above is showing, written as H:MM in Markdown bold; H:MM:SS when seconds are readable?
**1:19**
